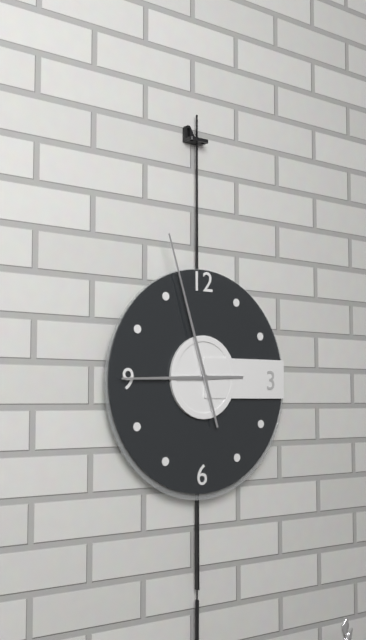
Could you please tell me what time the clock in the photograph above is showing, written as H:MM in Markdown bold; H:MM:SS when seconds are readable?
**8:57**
